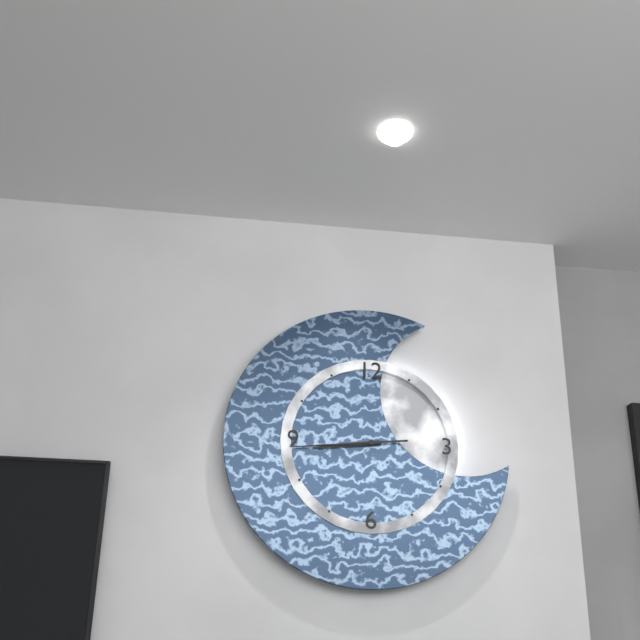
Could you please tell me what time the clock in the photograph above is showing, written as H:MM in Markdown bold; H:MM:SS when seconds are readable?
**8:44:44**
